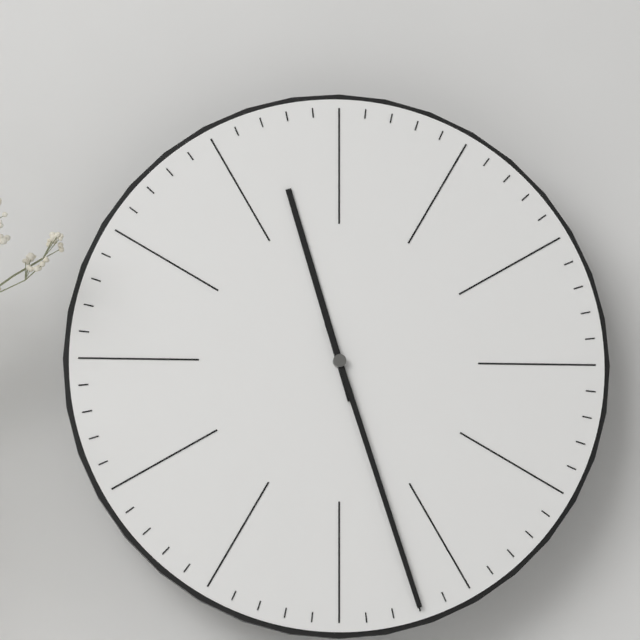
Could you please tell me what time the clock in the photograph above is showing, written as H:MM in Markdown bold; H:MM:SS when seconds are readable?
**11:27**
